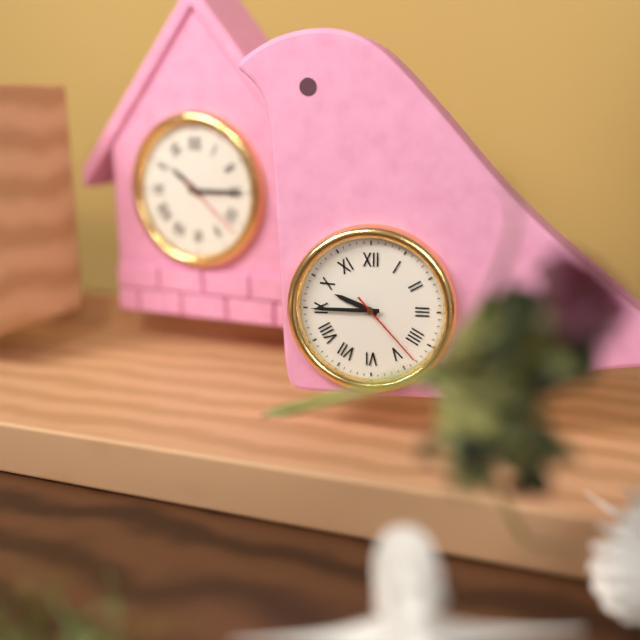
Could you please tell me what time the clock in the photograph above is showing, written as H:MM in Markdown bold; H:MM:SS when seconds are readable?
**9:45:23**
